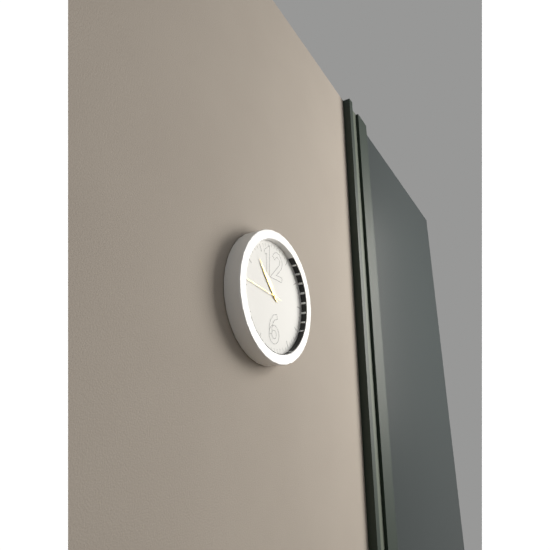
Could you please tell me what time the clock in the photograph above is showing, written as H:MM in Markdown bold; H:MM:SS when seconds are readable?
**10:53**
